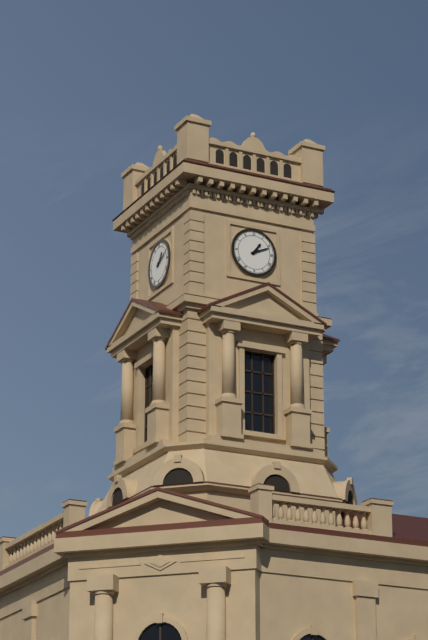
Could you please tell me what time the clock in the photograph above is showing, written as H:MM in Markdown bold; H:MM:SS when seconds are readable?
**1:11**
